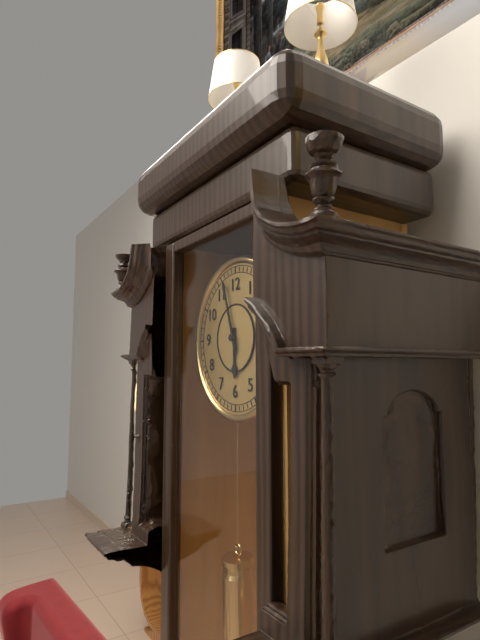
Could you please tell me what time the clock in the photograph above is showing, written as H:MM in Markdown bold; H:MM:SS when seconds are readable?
**5:57**
